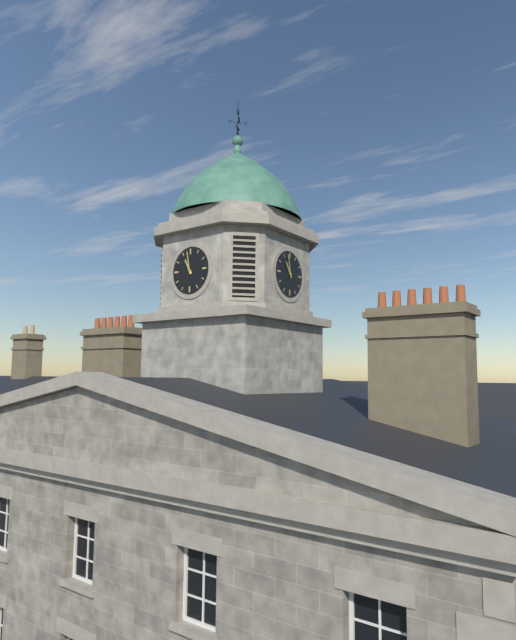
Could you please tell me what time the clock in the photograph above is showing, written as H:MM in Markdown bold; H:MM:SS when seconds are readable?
**10:58**
